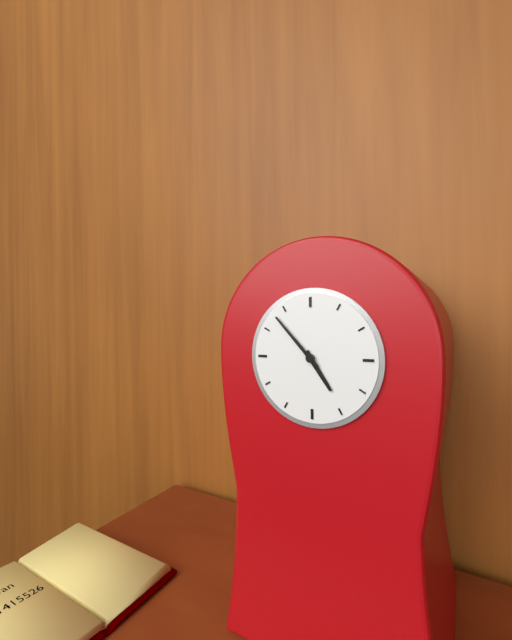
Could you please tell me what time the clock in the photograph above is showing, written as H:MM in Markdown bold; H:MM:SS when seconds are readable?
**4:53**
